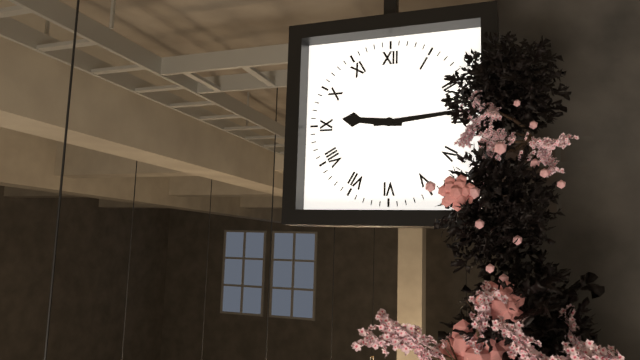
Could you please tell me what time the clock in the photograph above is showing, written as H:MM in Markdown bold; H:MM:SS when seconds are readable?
**9:14**
